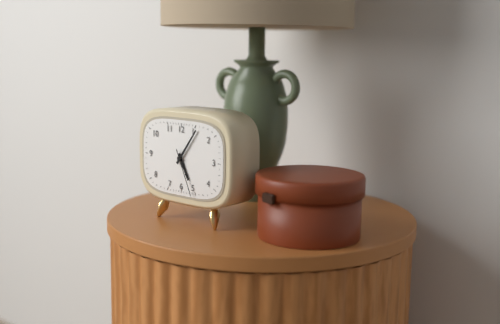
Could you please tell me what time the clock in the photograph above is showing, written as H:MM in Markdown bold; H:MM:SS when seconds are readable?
**5:06**
